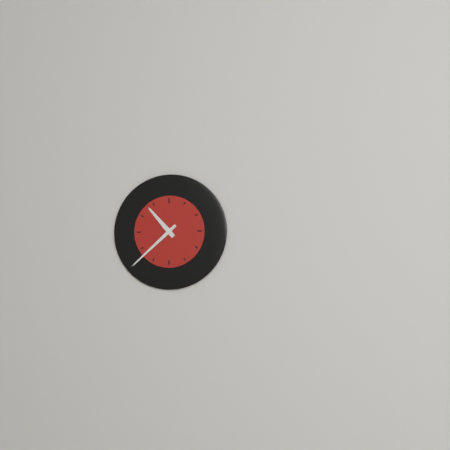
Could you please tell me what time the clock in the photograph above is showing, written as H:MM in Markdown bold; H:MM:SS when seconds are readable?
**10:38**
